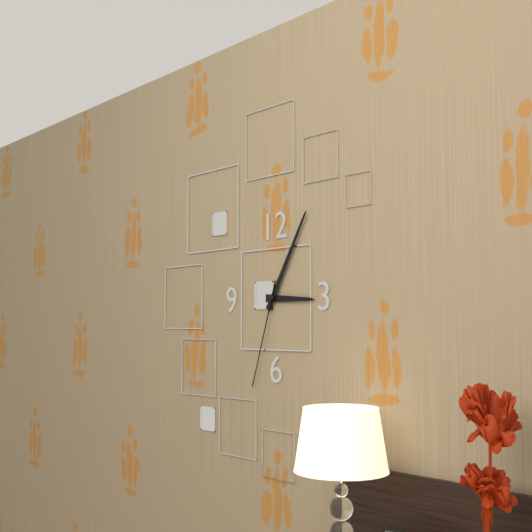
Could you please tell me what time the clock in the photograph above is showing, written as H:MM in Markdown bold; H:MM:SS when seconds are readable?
**3:05:33**
